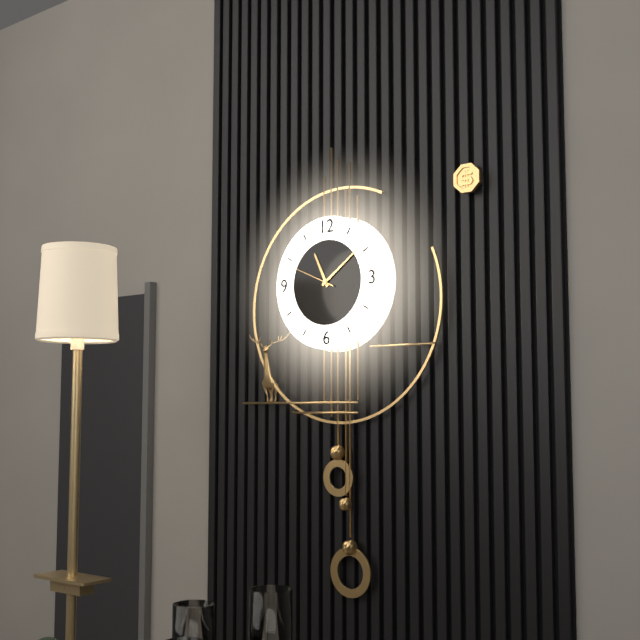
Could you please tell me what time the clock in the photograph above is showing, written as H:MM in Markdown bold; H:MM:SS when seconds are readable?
**11:09:49**
